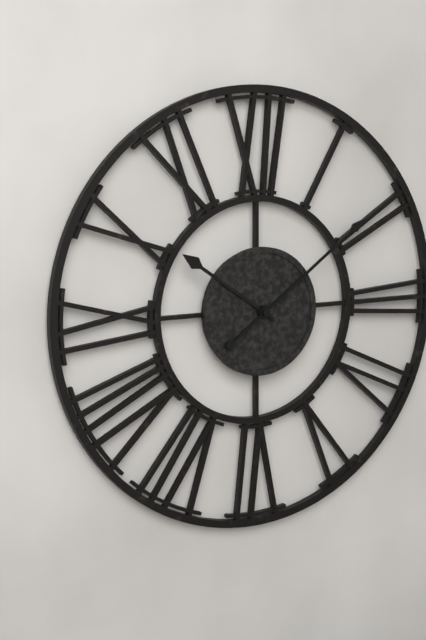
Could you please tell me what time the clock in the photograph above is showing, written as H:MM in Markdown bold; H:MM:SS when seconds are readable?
**10:09**
